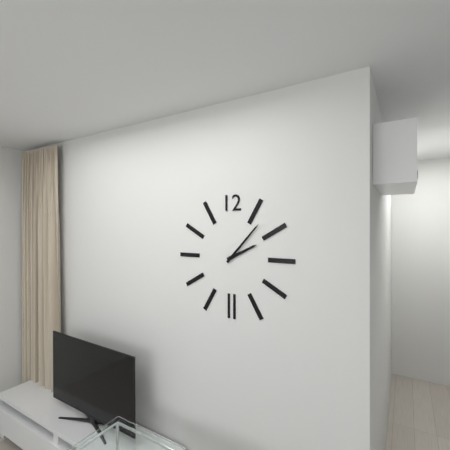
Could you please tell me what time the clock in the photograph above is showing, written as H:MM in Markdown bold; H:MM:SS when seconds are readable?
**2:07**
